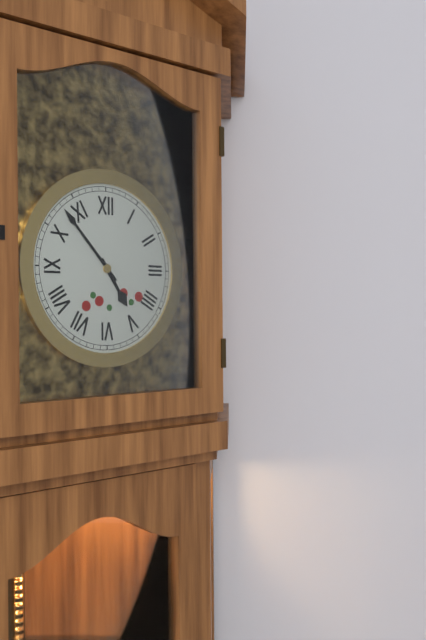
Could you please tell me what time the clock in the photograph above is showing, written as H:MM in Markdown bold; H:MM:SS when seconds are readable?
**4:53**
